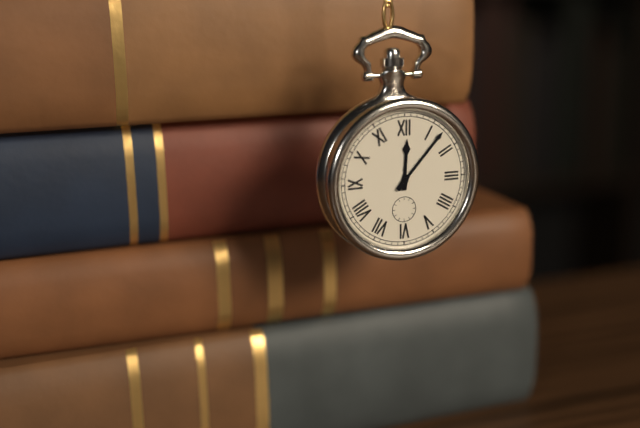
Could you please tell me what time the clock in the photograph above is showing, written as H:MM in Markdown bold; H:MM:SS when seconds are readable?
**12:07**
